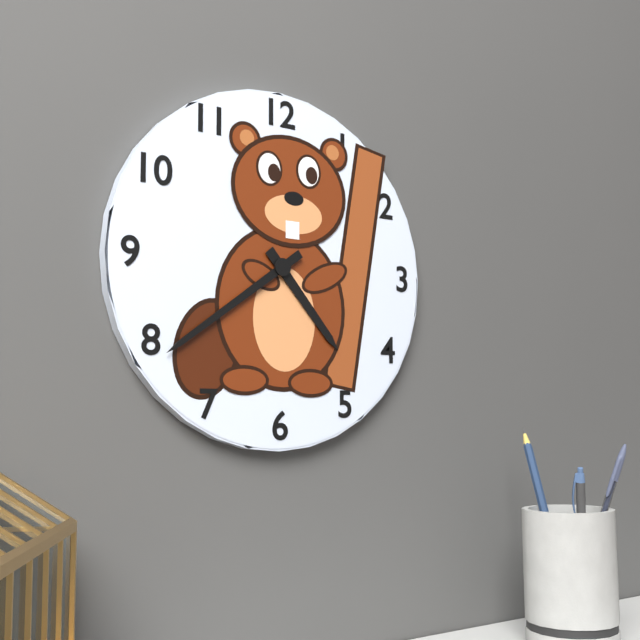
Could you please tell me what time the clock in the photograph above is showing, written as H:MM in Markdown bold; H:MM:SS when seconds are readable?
**4:39**
